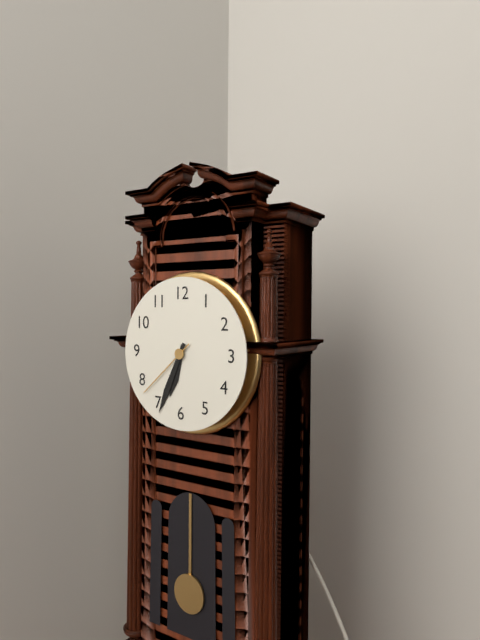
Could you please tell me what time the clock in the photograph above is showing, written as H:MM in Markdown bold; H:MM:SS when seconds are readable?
**6:34:38**
